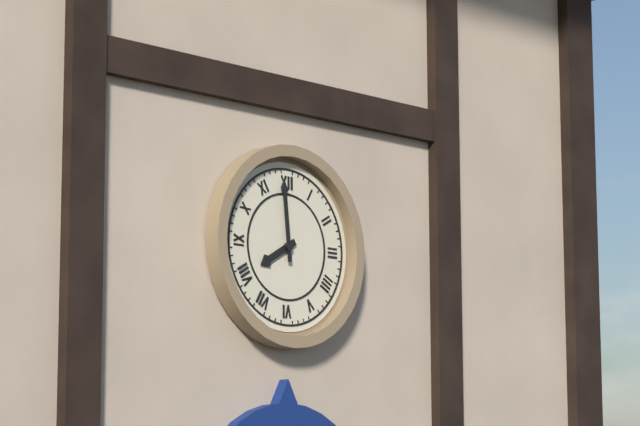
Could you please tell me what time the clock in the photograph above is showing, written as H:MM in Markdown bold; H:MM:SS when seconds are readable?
**7:59**
